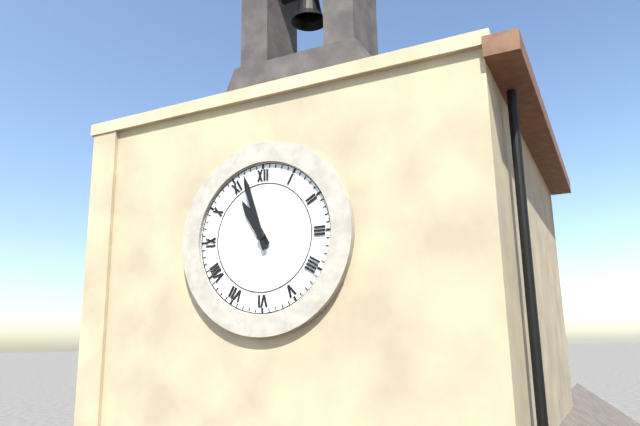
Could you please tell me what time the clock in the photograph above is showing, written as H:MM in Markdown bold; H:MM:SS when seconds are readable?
**10:57**
